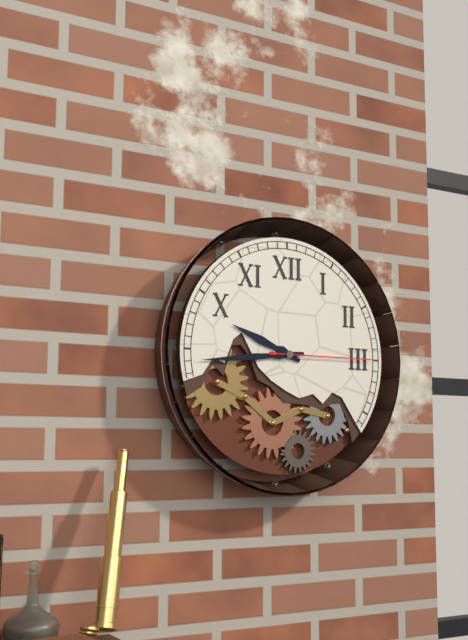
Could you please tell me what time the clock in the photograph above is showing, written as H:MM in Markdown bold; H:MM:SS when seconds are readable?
**9:44:15**
